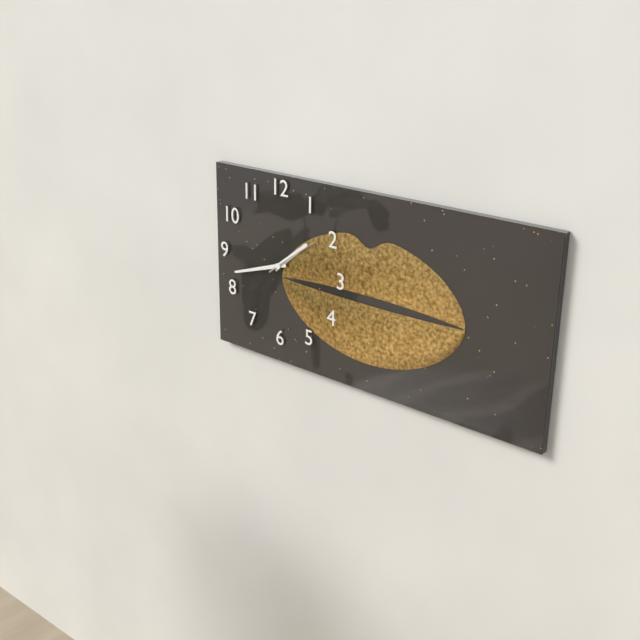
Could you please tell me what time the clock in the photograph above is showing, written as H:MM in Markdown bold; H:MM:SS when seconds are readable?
**1:42:09**
